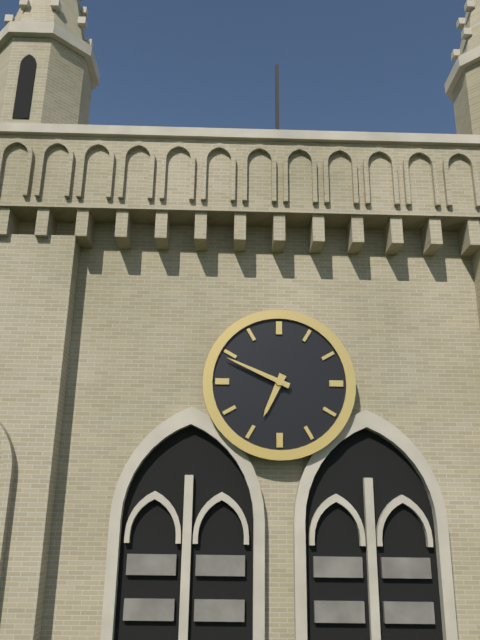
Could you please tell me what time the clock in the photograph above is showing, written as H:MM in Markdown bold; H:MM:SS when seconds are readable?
**6:49**
